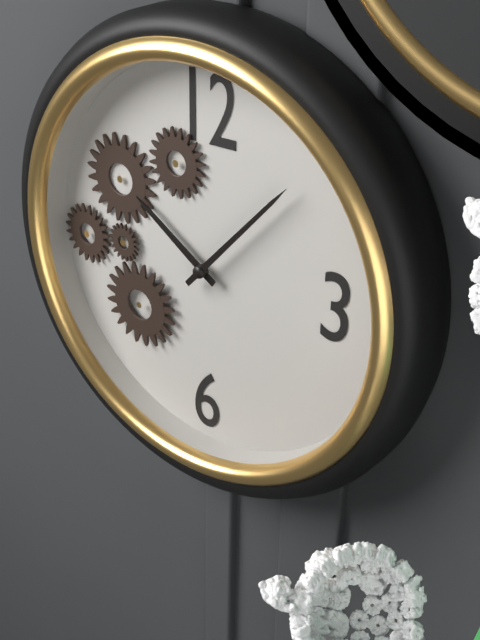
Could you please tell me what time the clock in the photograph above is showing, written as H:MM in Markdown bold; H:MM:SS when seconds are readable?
**10:07**
